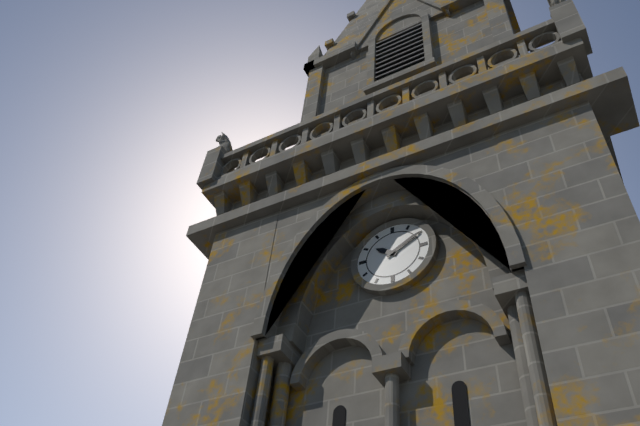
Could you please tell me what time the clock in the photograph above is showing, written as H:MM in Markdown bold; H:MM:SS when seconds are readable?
**10:10**
